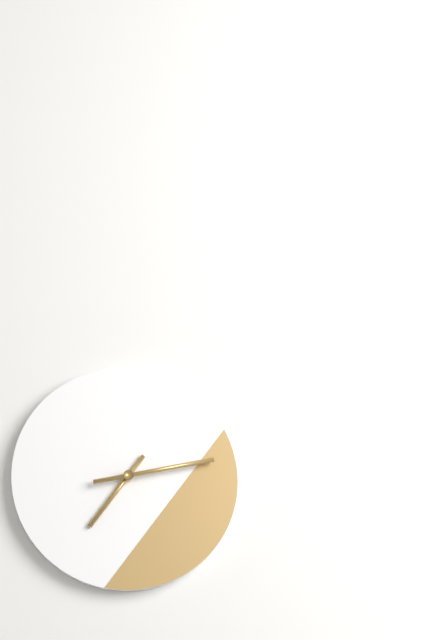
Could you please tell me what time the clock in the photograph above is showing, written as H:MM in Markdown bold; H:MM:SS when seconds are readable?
**7:13**
